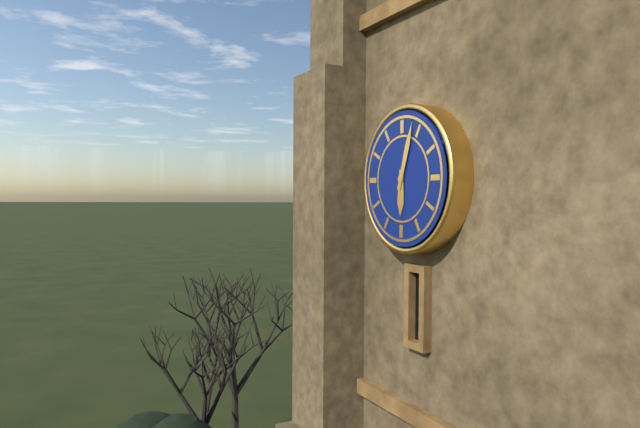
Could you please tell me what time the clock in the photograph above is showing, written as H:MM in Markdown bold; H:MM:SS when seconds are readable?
**6:03**
